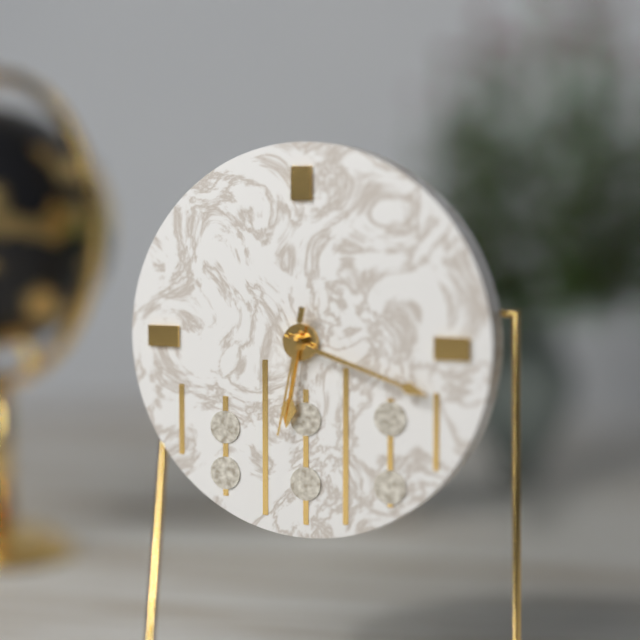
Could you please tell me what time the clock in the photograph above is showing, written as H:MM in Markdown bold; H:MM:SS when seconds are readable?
**6:18:32**
